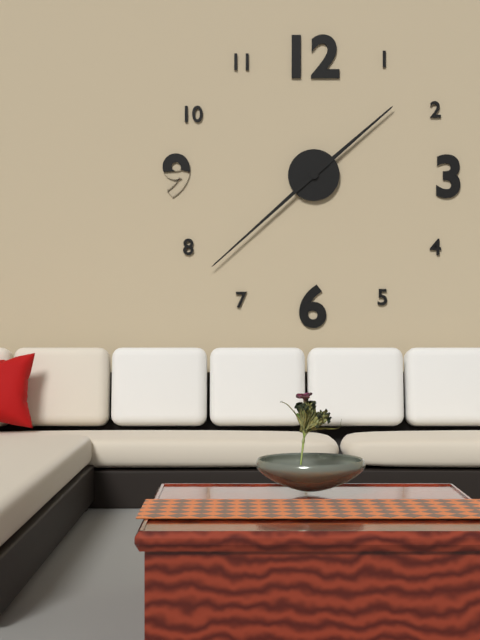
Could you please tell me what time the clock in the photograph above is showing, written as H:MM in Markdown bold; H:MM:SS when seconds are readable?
**1:38**
